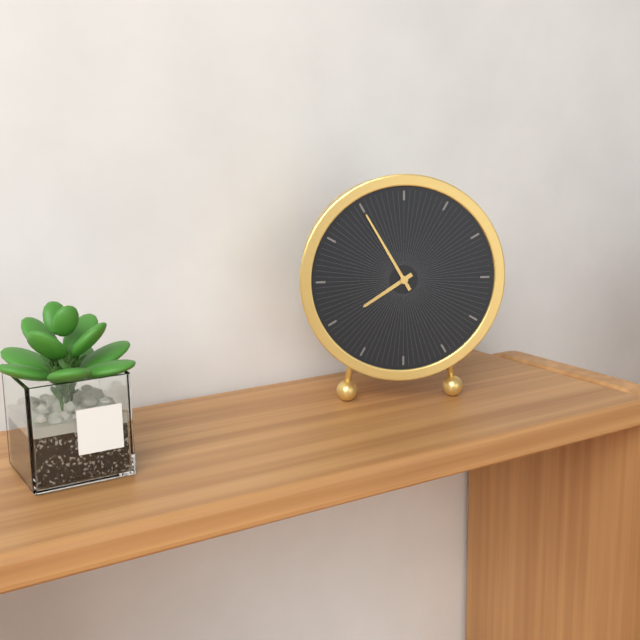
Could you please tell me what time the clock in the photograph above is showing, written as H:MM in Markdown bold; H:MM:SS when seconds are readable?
**7:55**
